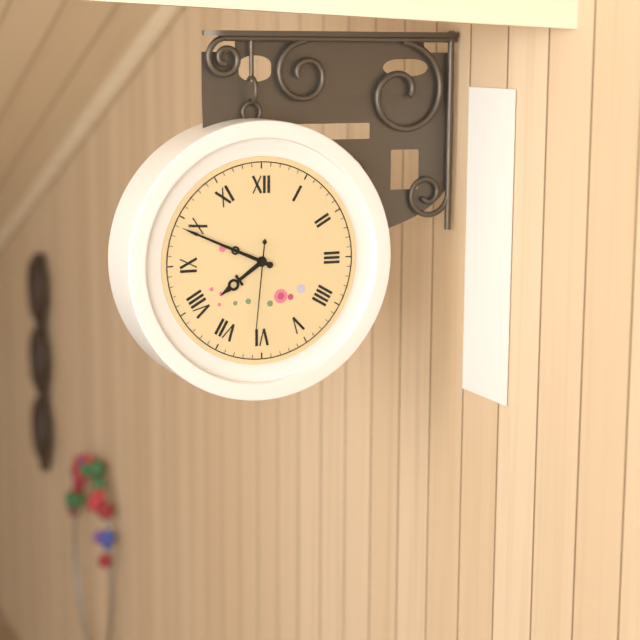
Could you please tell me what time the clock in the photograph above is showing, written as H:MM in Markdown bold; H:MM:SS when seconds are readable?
**7:49:31**
